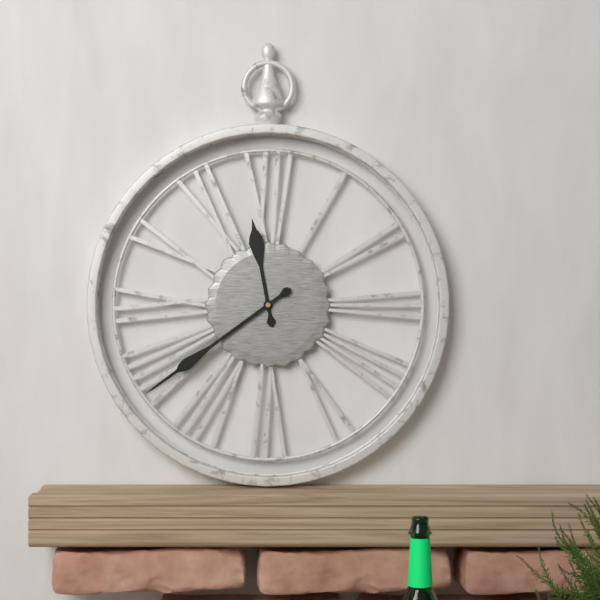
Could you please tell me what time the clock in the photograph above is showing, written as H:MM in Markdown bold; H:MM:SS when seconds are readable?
**11:39**
